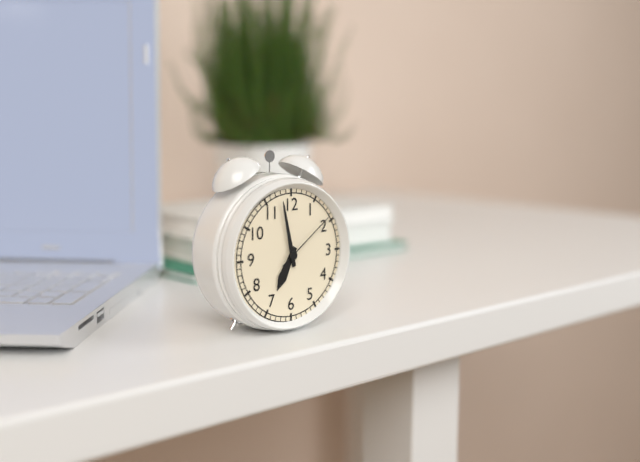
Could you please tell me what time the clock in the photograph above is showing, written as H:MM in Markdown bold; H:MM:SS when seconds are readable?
**6:58:09**
